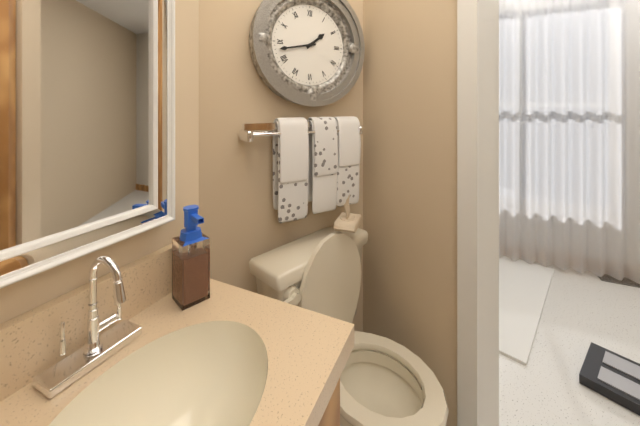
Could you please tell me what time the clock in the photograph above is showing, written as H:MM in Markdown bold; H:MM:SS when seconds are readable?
**1:43**
